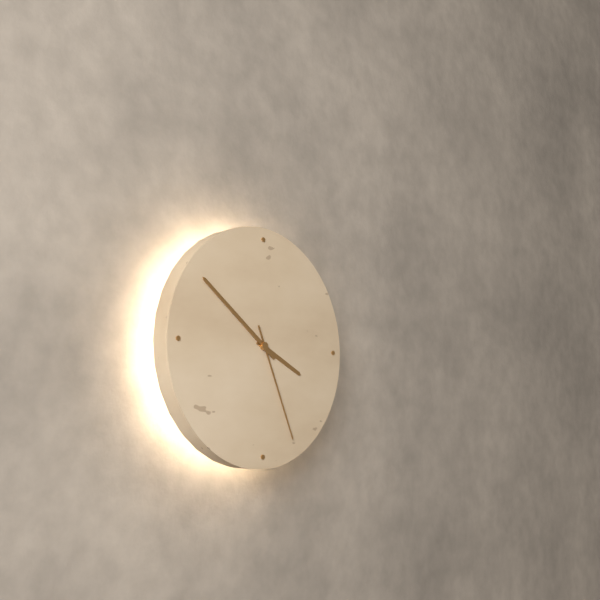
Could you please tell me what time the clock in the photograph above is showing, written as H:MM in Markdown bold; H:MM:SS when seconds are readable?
**3:51:26**
